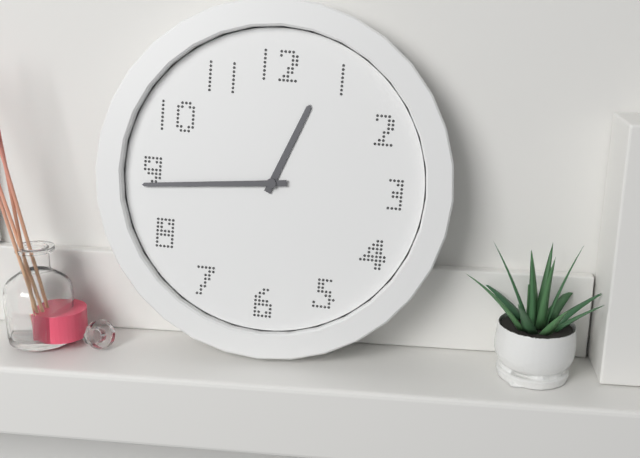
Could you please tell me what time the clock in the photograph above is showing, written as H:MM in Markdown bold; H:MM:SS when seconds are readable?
**12:44**
